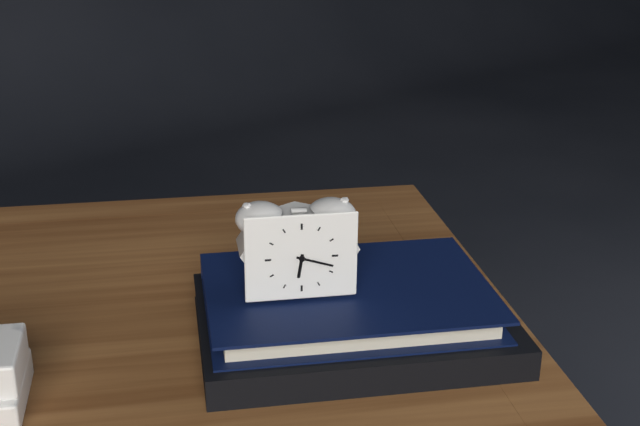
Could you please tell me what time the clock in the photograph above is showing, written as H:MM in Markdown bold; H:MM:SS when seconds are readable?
**6:18**
